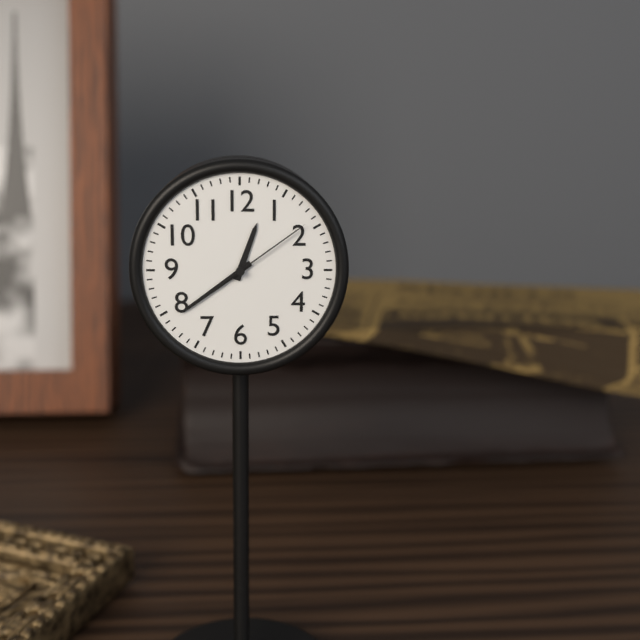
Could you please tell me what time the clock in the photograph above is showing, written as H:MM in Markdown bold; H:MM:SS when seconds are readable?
**12:39:09**
